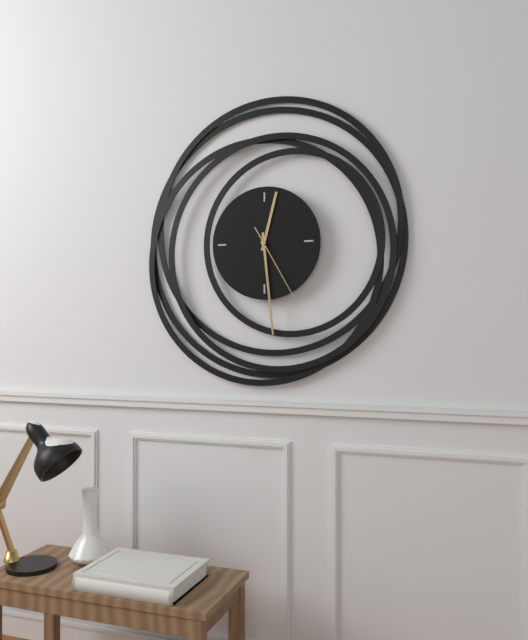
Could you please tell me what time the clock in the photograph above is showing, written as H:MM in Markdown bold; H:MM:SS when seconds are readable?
**12:29:25**
